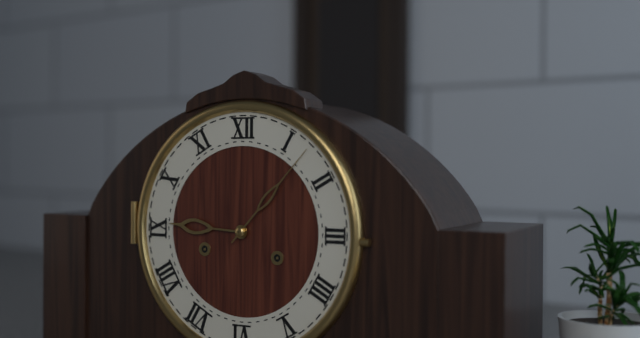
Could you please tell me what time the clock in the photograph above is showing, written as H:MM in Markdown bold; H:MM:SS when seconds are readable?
**9:07**
